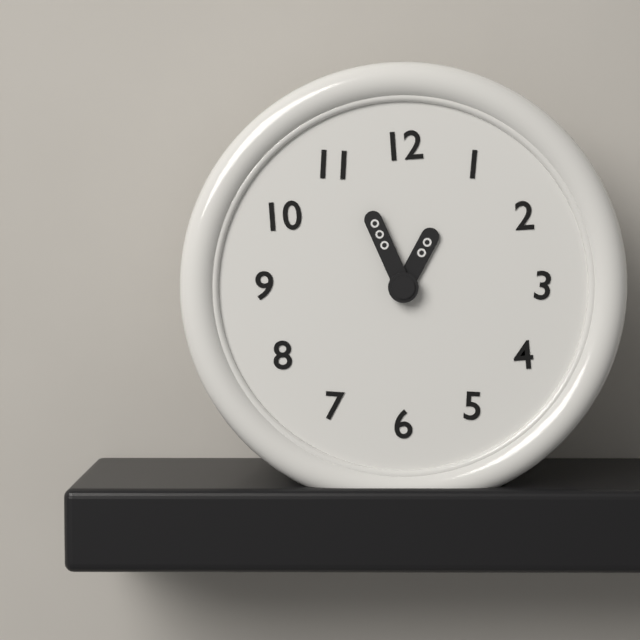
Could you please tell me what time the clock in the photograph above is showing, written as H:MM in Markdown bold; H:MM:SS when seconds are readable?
**12:56**
